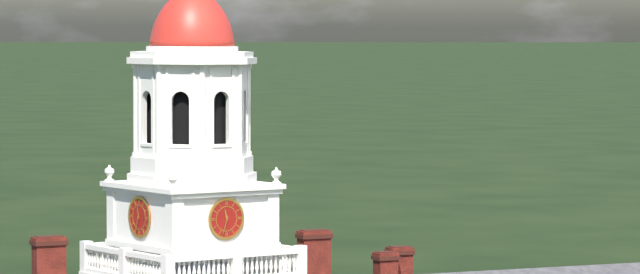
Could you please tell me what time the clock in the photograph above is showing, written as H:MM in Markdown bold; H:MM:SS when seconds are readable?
**11:33**
